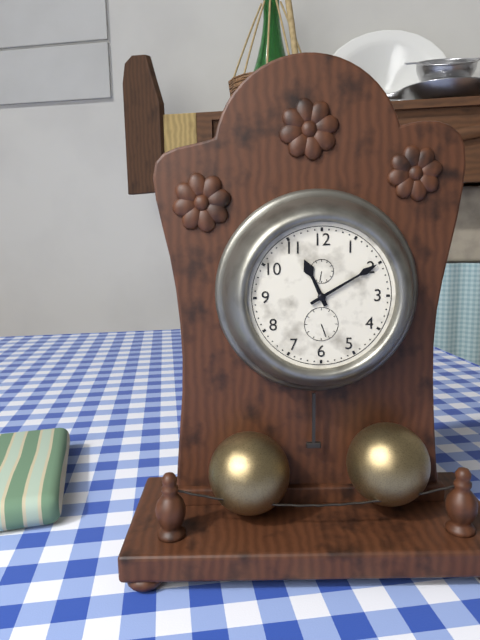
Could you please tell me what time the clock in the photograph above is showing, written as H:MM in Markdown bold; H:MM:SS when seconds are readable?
**11:10**
